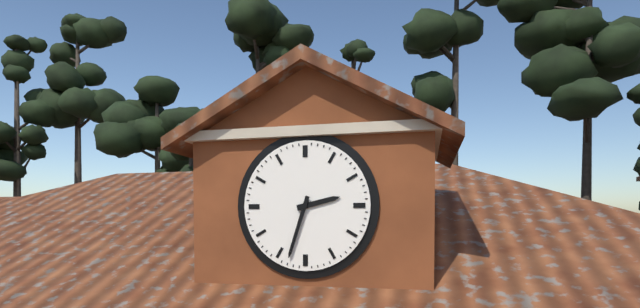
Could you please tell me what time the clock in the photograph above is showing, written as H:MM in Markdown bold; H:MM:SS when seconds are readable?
**2:33**
